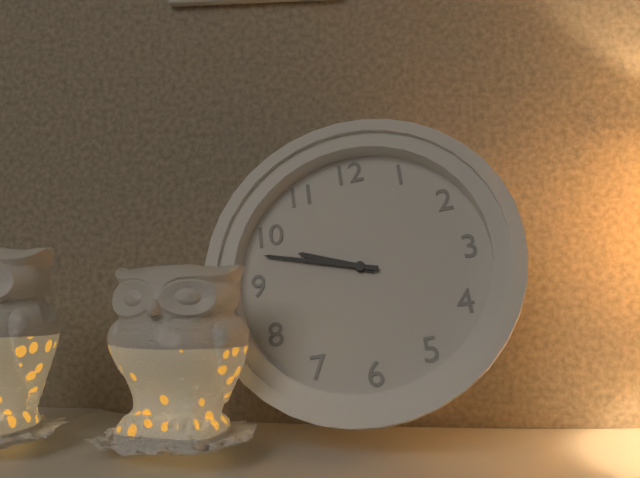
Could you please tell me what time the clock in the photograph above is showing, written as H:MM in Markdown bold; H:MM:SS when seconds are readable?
**9:48**
